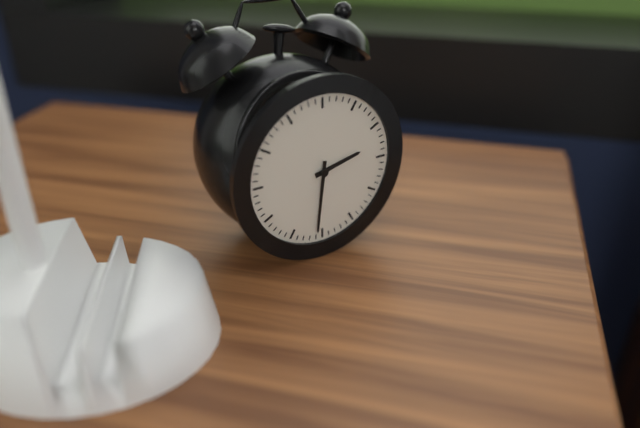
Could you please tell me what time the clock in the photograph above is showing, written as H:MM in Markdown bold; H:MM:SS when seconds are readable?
**2:31**
